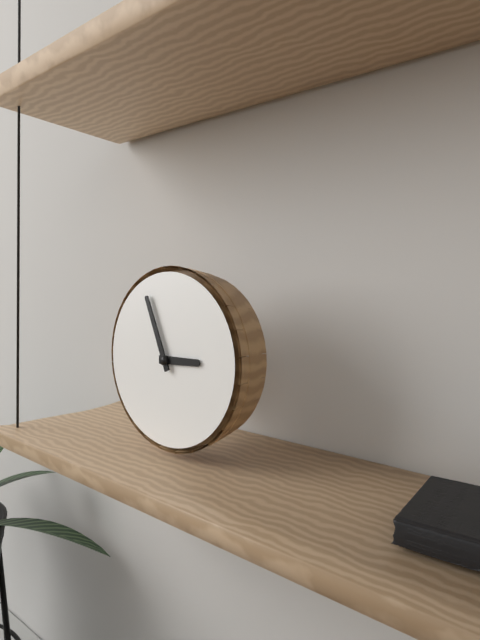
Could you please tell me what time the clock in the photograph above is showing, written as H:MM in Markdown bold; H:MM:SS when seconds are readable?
**2:56**
